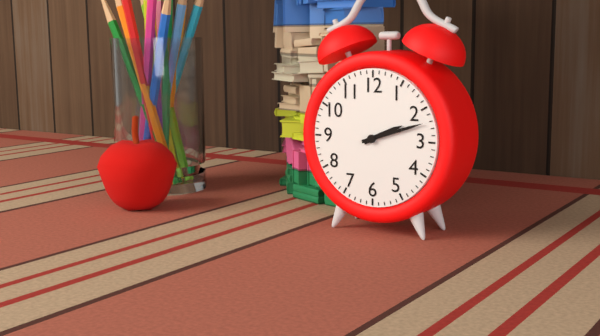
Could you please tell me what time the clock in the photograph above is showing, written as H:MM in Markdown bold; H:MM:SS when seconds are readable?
**2:12**
